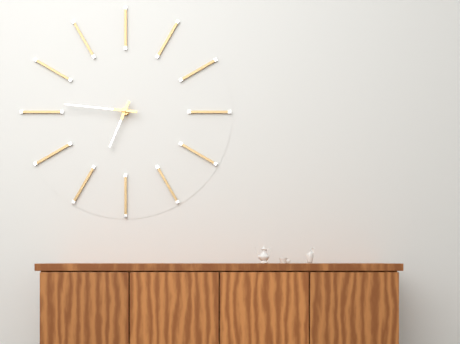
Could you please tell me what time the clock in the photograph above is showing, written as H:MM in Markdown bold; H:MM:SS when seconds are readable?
**6:46**
